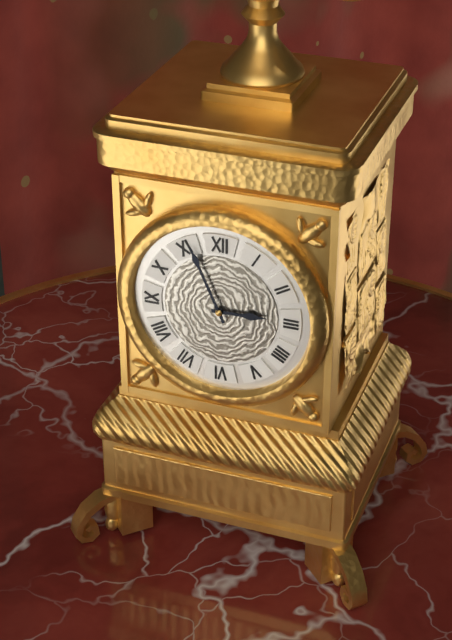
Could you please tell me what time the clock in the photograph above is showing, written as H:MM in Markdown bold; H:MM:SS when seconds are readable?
**2:56**
